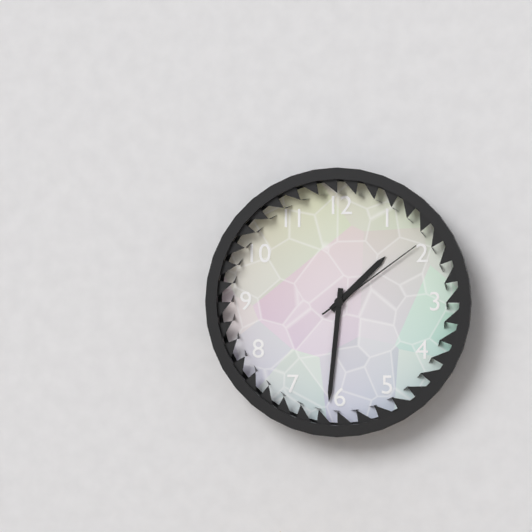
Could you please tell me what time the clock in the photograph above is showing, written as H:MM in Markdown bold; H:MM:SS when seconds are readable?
**1:31:09**
